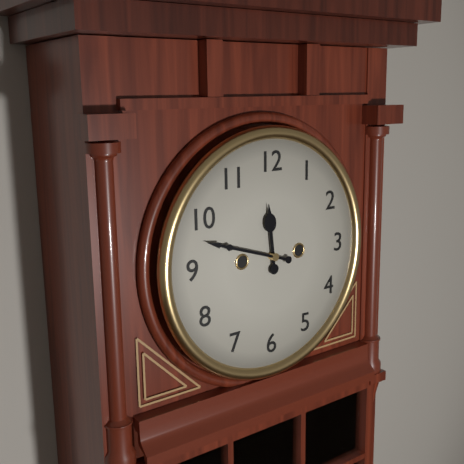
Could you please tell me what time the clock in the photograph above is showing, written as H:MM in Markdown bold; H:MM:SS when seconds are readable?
**11:48**
